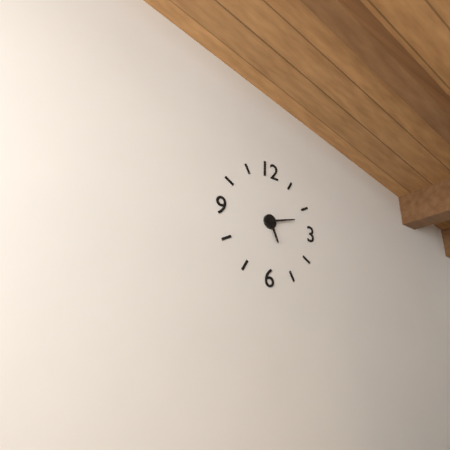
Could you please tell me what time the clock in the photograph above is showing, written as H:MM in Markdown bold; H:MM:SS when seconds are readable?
**5:12**
